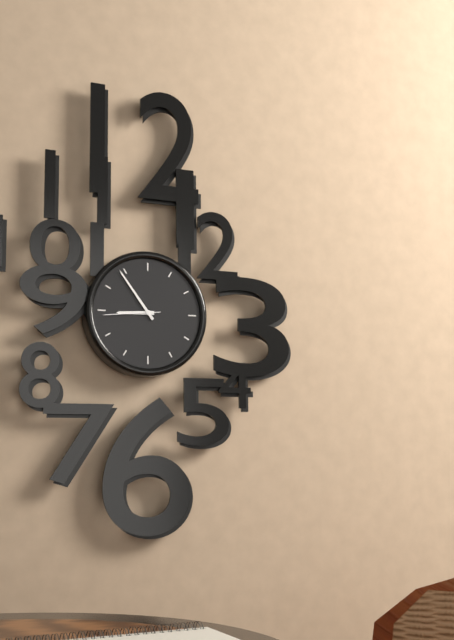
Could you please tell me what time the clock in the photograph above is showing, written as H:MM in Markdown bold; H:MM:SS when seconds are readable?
**8:54**
